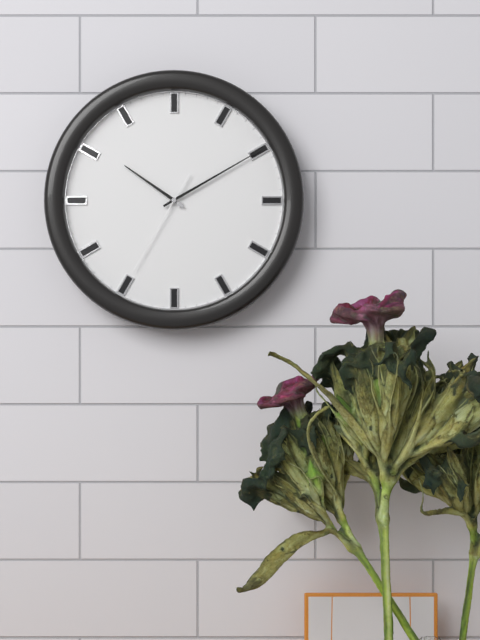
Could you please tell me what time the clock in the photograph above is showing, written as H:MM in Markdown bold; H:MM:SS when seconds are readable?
**10:10:35**
